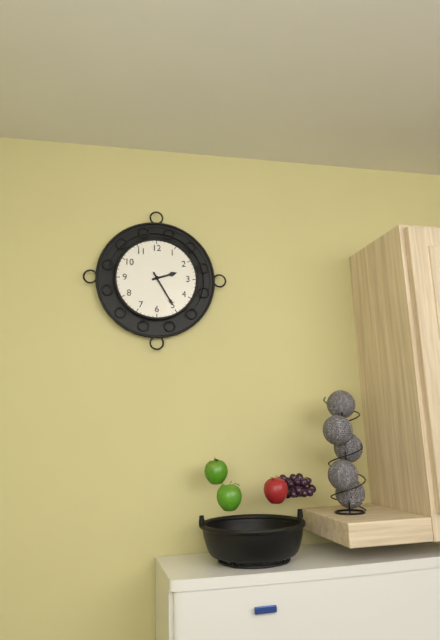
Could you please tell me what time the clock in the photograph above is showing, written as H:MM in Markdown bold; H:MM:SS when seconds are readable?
**2:25**
